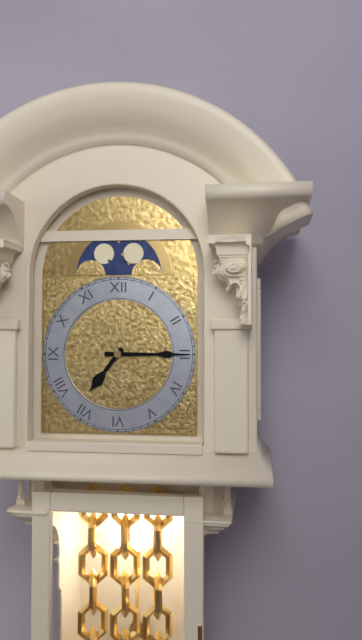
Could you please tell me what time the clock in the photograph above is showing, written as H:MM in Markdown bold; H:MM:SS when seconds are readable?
**7:15**
